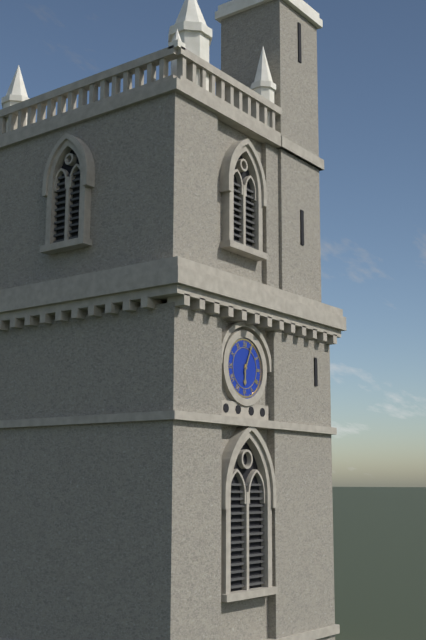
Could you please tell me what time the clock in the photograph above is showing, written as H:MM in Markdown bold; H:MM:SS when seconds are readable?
**6:04**
